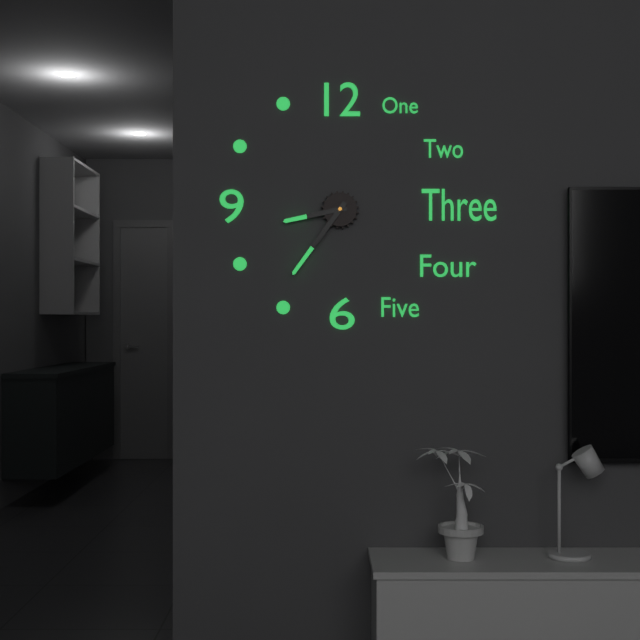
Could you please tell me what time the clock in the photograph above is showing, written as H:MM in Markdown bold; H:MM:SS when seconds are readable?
**8:36**
